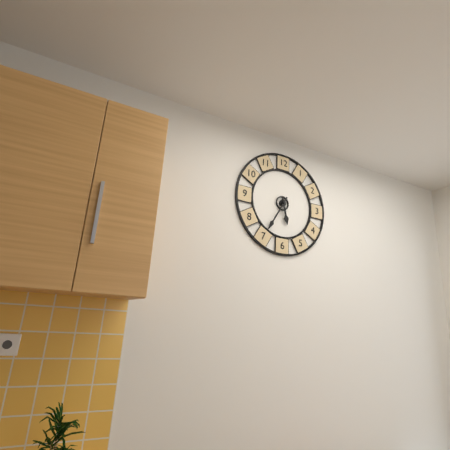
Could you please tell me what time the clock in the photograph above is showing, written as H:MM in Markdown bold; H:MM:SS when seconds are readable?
**5:35**
